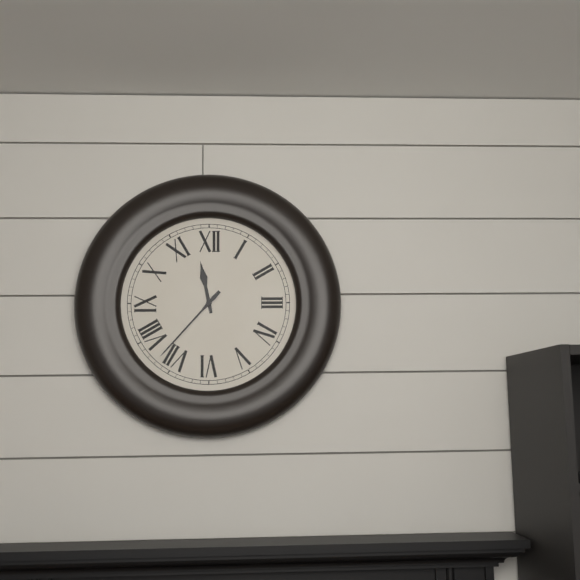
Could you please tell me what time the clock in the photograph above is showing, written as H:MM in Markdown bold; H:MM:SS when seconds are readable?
**11:37**
